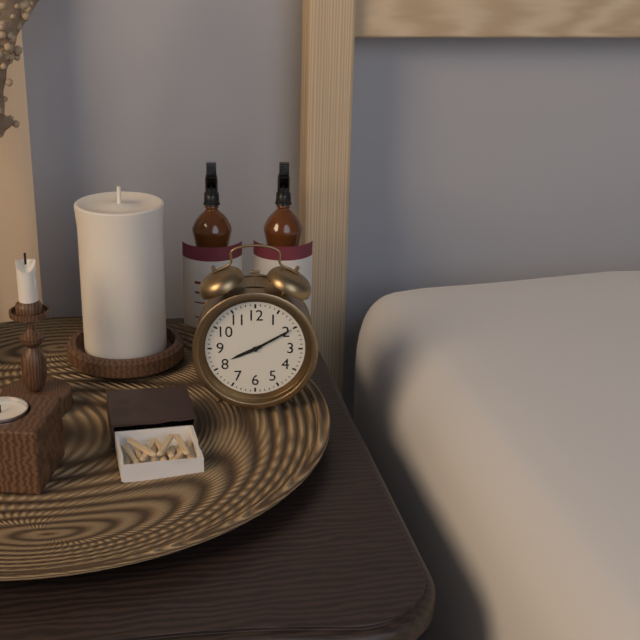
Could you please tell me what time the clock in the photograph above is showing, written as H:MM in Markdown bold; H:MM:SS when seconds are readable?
**8:10**
